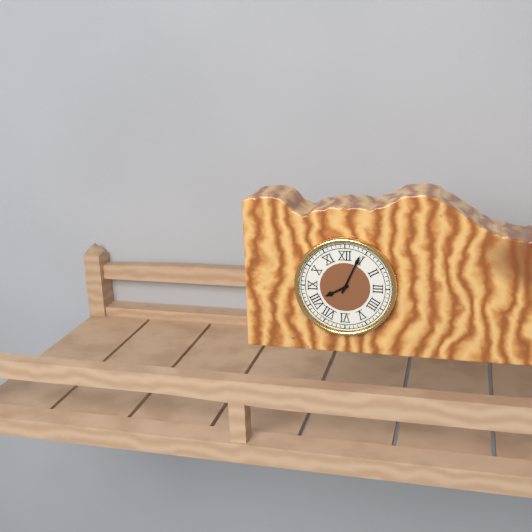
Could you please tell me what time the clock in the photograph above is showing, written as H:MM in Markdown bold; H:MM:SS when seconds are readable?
**8:04**
